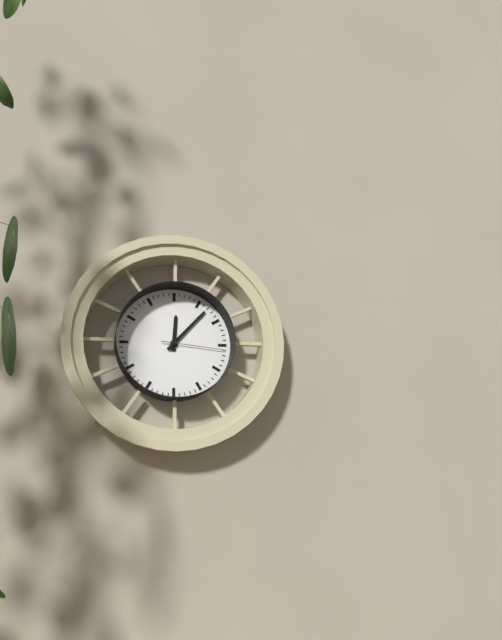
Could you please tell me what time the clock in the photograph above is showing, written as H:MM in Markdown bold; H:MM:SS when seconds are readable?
**12:07:16**
